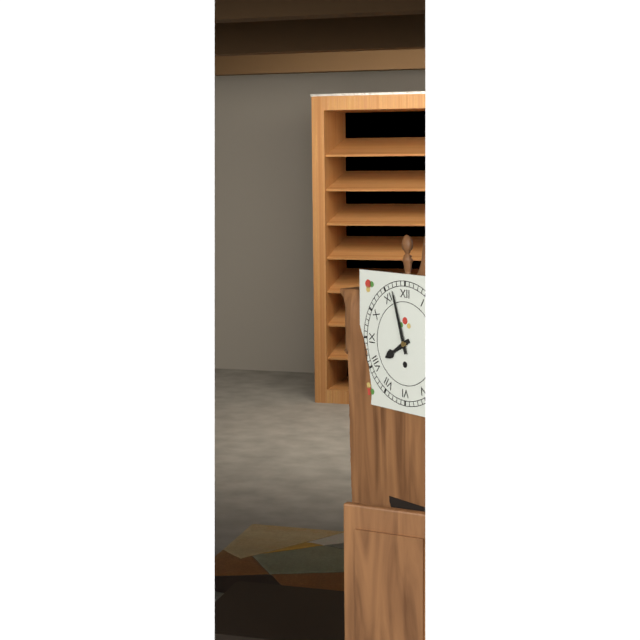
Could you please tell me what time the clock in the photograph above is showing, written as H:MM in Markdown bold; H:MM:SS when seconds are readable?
**7:57**
